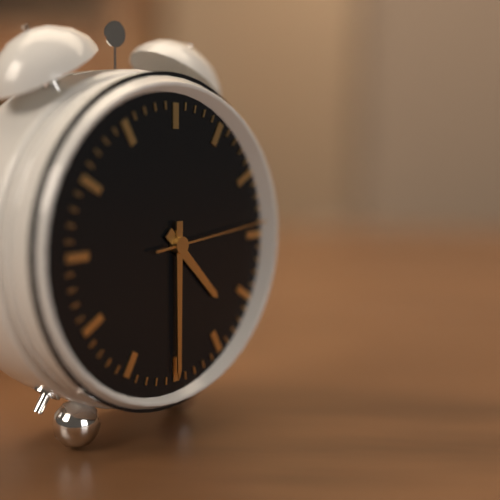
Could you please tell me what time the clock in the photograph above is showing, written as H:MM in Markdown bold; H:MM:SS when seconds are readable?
**4:30:14**
